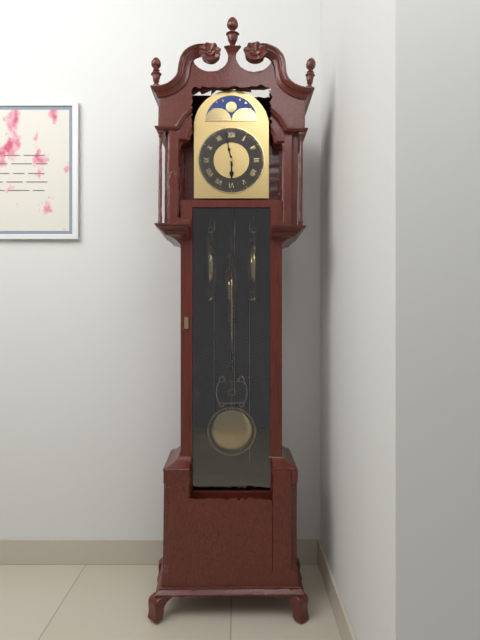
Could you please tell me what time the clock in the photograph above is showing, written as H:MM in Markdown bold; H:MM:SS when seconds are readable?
**5:58**
